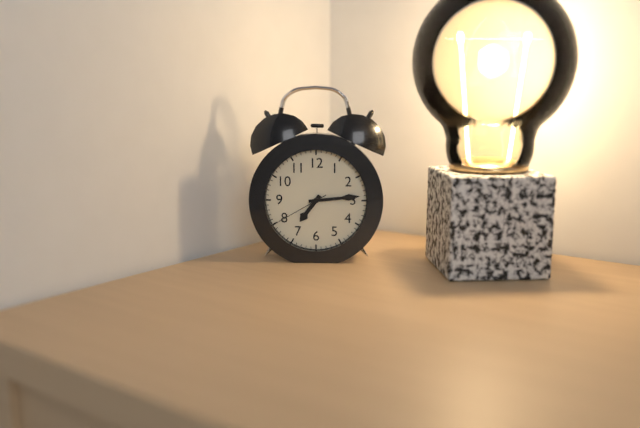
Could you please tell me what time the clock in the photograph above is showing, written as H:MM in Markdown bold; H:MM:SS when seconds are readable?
**7:14:40**
